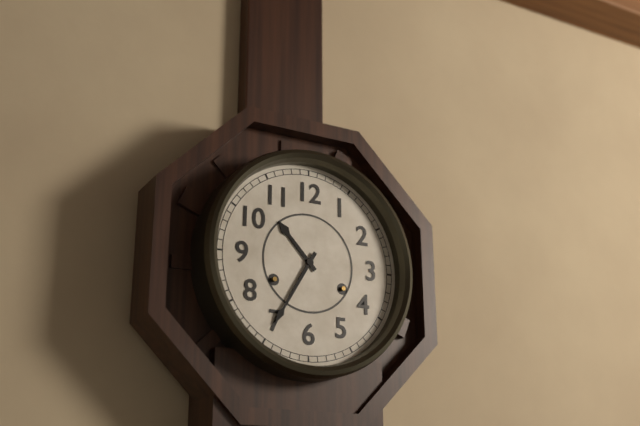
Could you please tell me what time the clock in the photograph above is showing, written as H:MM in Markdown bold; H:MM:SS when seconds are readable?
**10:35**
